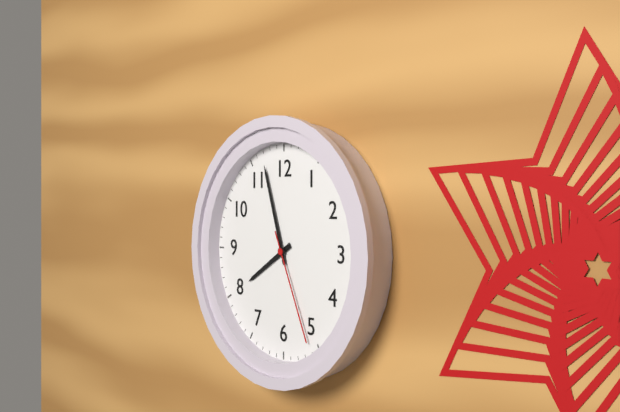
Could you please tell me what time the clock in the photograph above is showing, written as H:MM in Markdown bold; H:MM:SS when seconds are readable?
**7:57:26**
